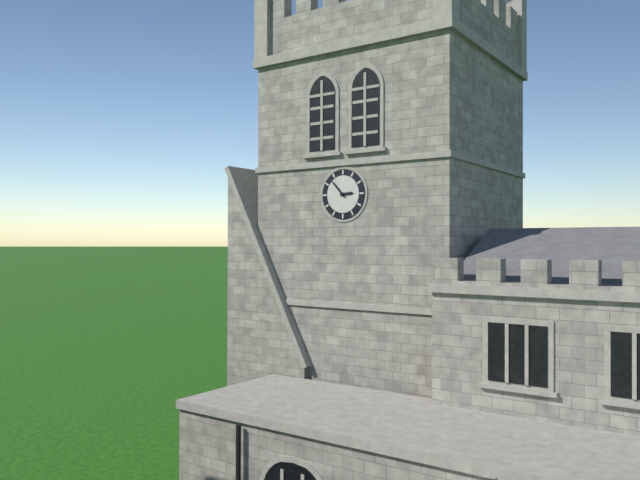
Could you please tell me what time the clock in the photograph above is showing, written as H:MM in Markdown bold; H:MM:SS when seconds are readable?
**2:53**
